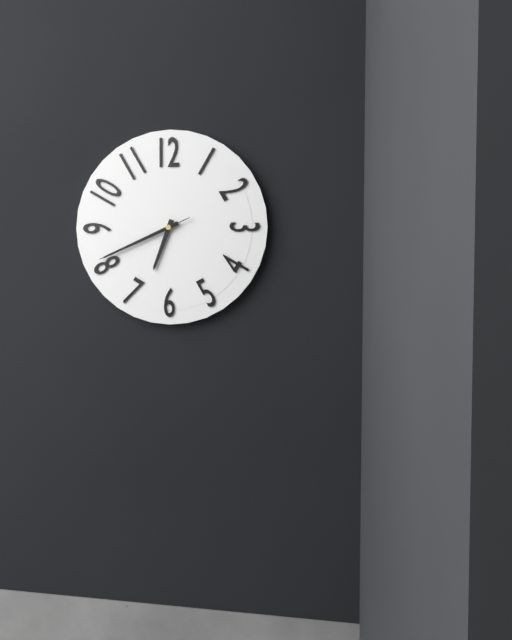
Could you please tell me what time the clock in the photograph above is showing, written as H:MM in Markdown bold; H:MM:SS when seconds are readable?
**6:41:41**
